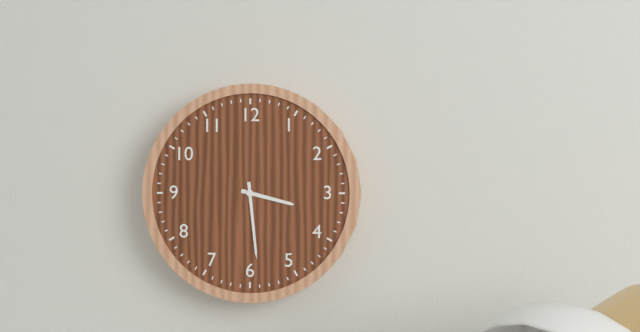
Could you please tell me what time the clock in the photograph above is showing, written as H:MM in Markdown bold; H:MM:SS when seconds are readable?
**3:29**
